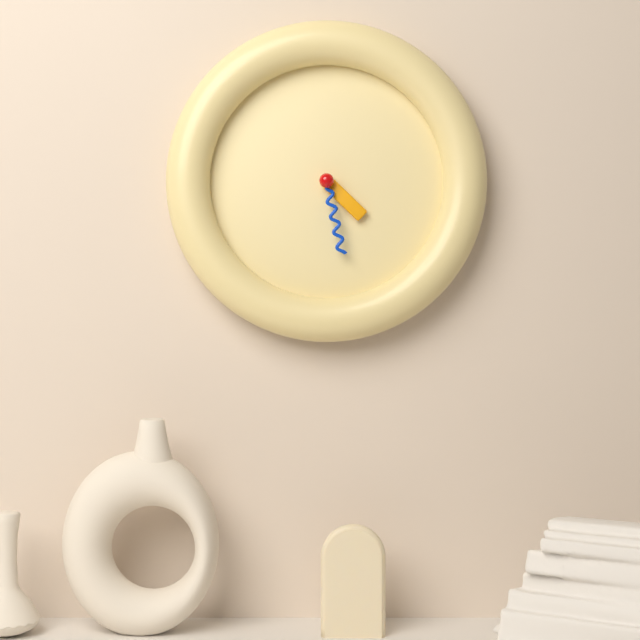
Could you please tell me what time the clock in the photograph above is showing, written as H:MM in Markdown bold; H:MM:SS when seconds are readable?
**4:28**
